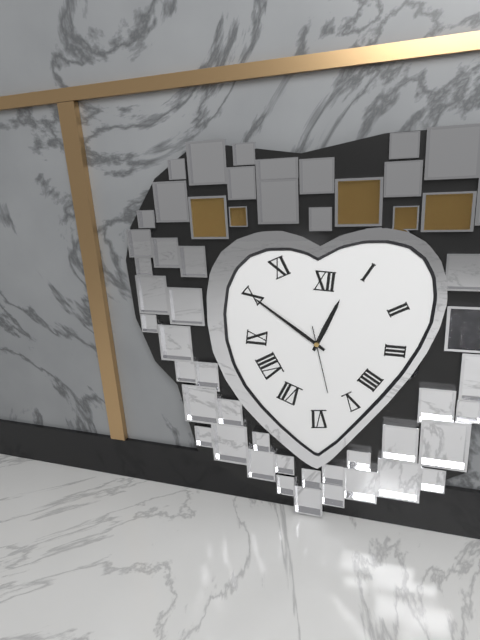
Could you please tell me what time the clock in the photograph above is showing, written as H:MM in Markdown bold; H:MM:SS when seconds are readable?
**12:51:28**
